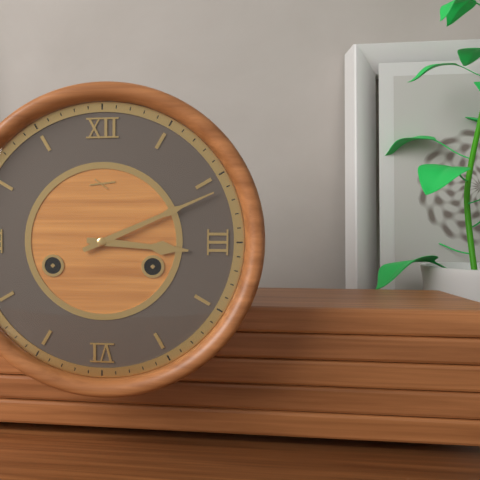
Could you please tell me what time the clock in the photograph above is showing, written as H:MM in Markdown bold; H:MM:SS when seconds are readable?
**3:11**
